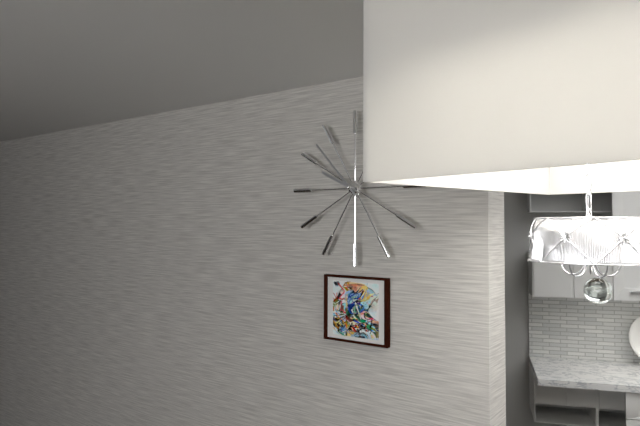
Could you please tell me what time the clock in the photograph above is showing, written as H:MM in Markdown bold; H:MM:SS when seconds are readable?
**9:53**
